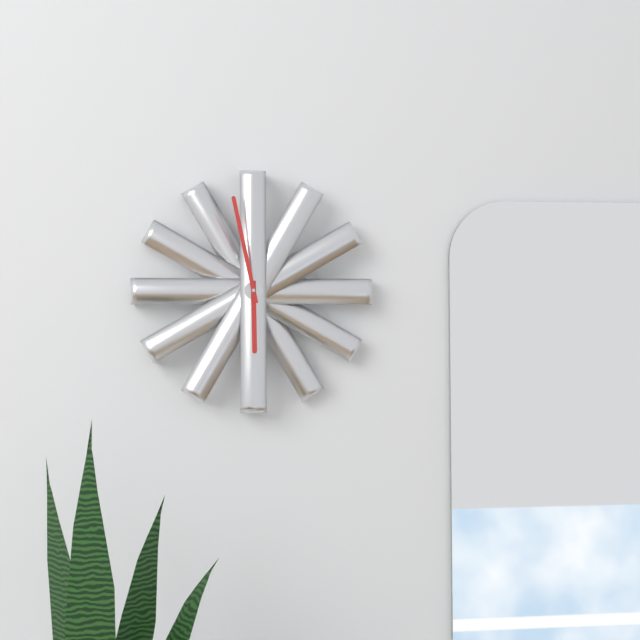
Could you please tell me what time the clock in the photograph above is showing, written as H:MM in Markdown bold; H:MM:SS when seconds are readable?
**5:58**
